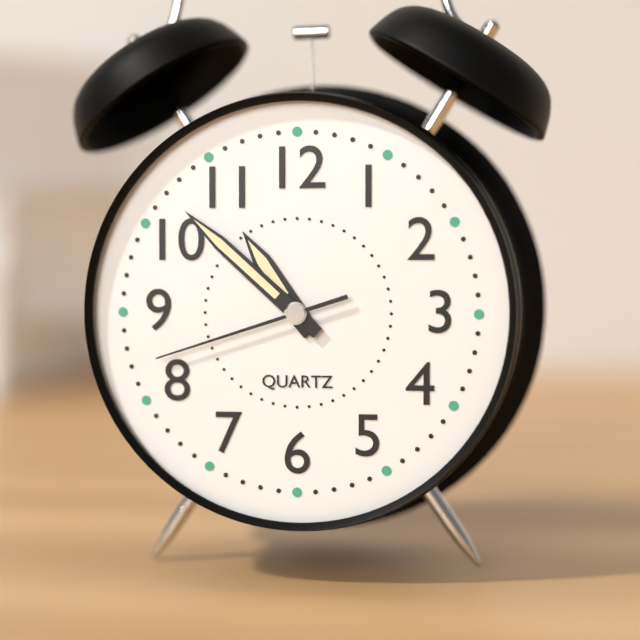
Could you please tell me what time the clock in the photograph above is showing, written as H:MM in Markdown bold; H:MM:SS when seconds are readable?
**10:52:42**
